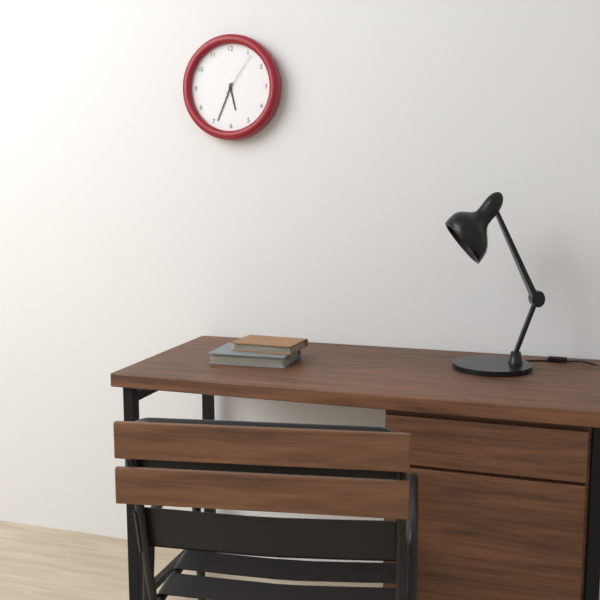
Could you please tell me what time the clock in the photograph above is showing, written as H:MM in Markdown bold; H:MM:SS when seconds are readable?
**5:34**
